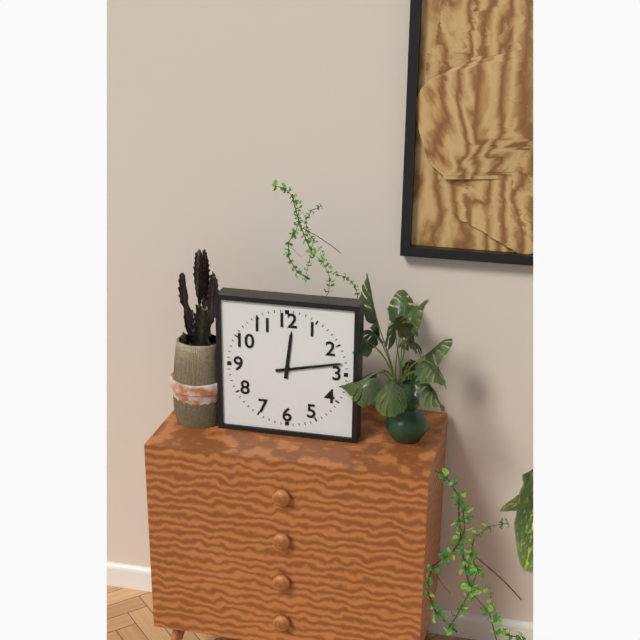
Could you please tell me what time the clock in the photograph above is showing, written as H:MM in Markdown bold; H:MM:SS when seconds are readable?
**12:13**
